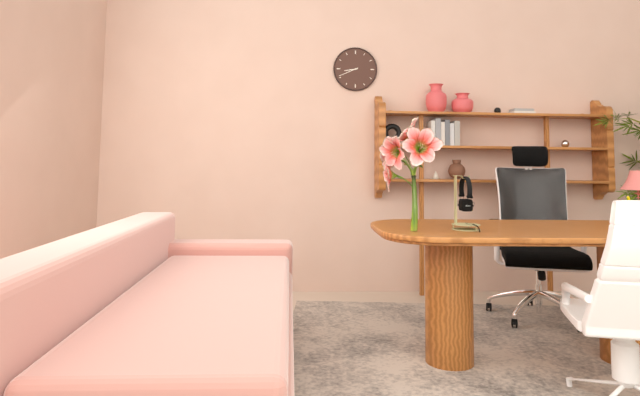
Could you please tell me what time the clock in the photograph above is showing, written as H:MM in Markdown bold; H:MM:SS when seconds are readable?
**8:41**
